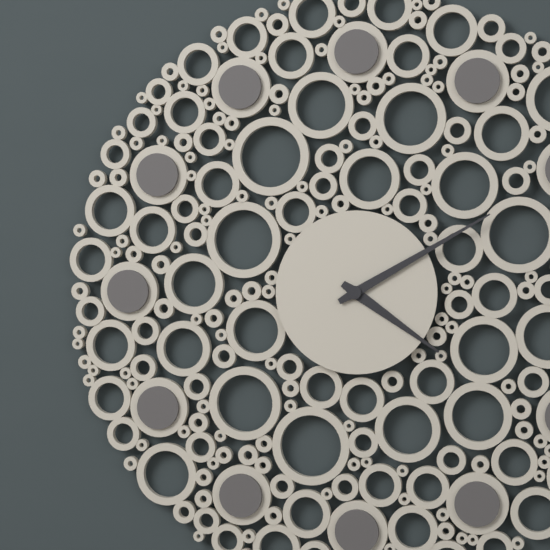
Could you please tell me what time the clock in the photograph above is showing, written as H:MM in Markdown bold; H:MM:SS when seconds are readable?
**4:10**
